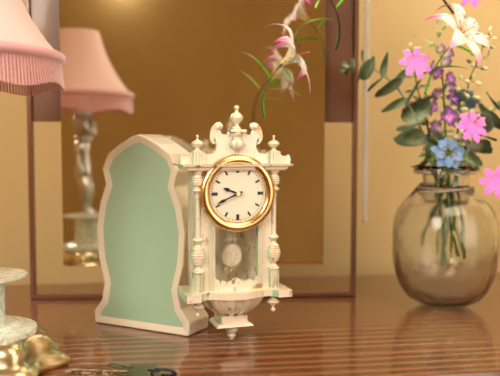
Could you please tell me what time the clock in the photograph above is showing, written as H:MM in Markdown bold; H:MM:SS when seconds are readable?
**9:41**
